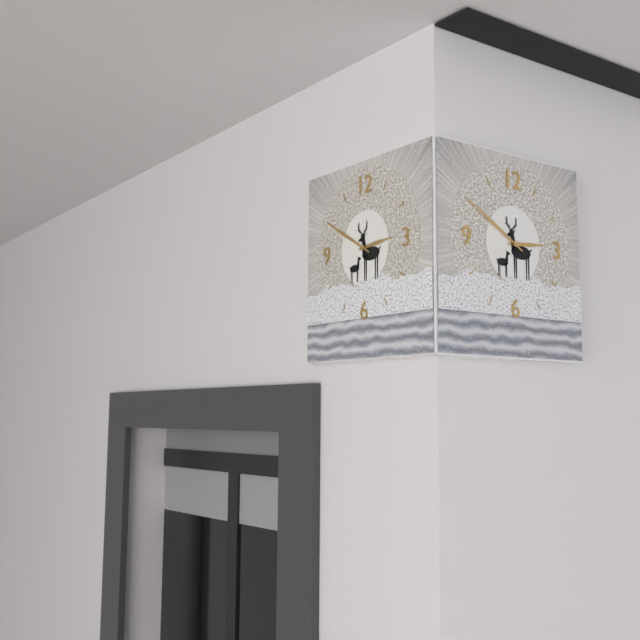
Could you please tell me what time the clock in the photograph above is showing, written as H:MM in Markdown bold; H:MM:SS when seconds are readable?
**2:50**
